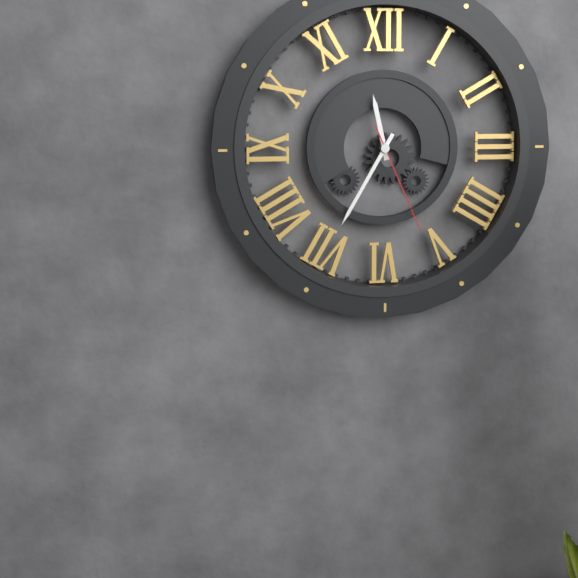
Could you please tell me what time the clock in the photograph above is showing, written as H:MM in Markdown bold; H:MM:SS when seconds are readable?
**11:35:26**
